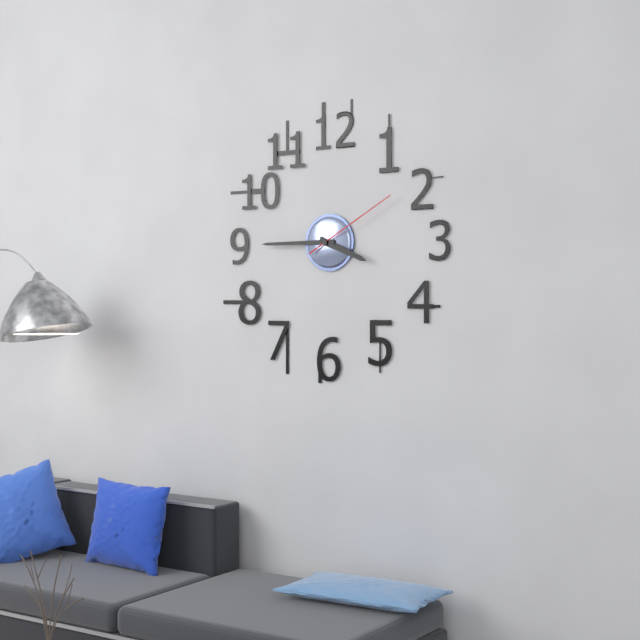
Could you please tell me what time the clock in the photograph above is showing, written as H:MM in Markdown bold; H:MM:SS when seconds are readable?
**3:45:10**
